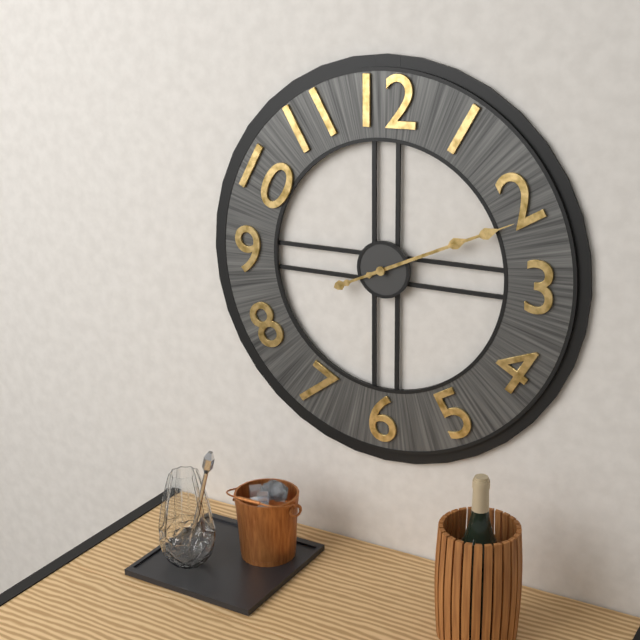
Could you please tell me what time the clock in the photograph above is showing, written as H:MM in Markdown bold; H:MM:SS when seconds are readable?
**2:11**
